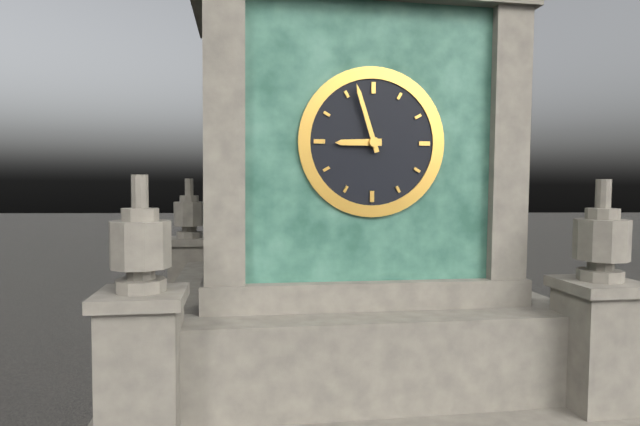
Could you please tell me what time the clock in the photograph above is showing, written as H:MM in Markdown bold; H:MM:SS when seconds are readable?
**8:57**
